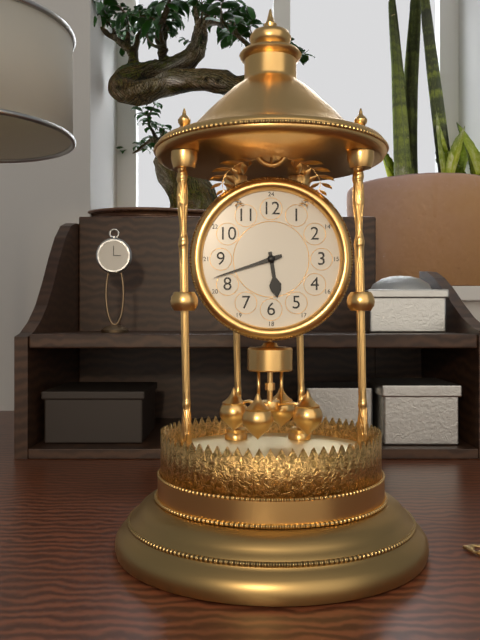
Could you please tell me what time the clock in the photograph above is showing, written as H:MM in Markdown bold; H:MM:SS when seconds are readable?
**5:42**
